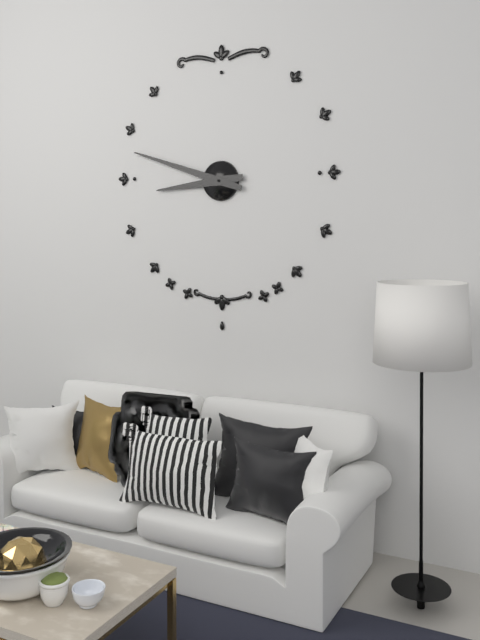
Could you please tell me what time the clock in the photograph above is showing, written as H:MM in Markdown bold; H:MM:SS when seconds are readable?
**8:48**
